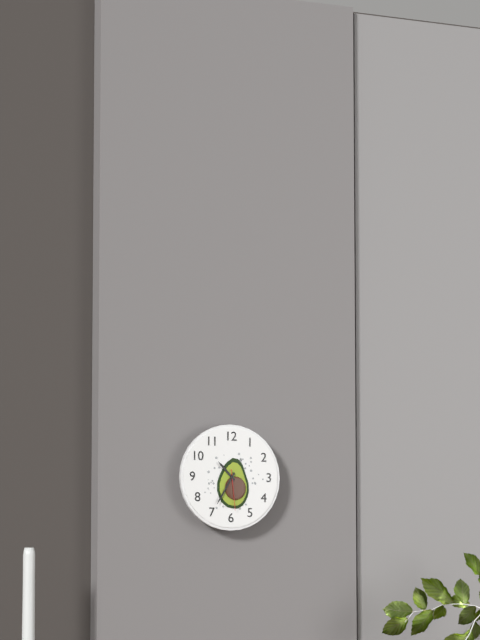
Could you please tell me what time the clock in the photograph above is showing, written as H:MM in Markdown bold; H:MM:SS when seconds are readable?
**10:35**
